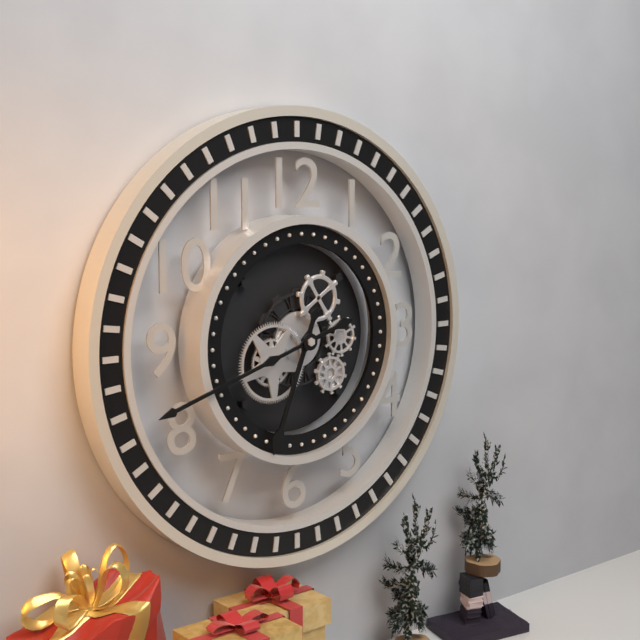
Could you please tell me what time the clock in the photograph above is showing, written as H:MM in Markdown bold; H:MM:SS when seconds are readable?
**6:42**
